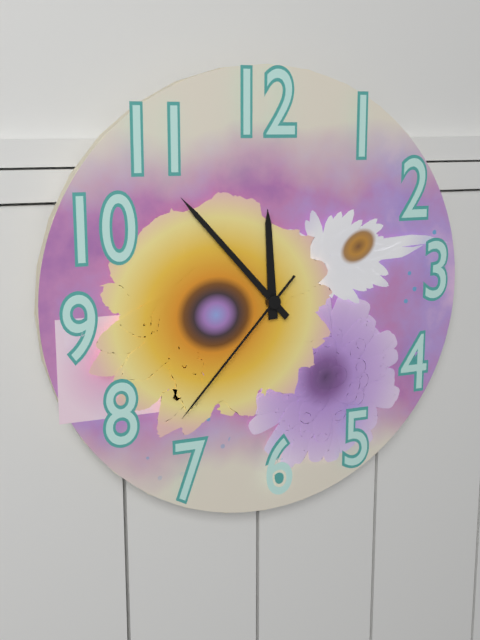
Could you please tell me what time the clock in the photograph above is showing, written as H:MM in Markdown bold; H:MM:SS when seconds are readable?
**11:53:37**
